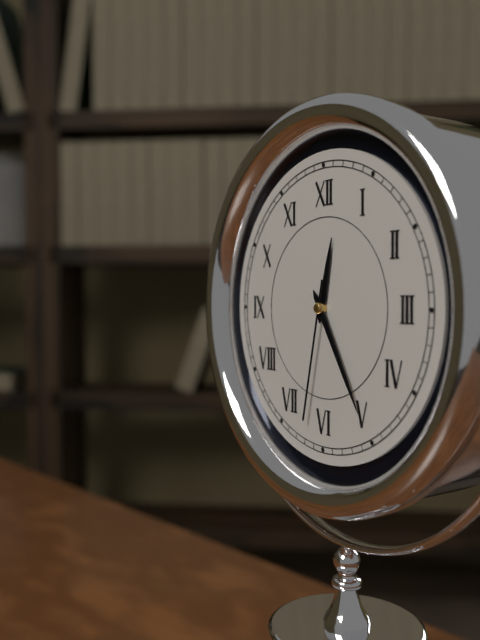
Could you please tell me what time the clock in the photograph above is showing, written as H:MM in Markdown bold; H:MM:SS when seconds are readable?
**12:25:32**
